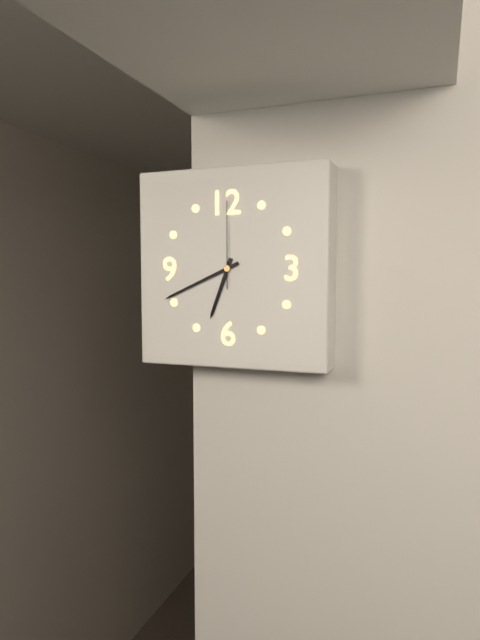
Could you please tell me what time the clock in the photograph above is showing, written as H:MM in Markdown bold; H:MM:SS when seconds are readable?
**6:41:00**
